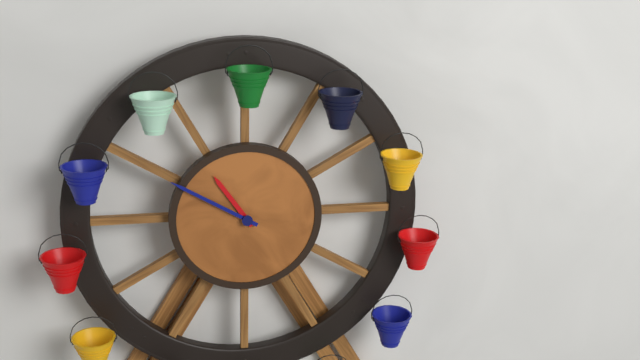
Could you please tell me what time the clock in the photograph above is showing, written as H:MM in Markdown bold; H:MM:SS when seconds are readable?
**10:50**
